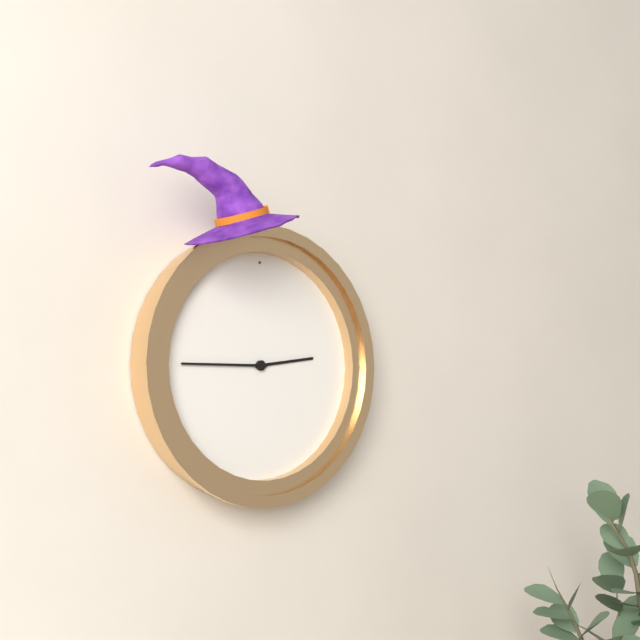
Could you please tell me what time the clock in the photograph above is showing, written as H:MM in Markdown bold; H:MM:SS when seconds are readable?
**2:45**
